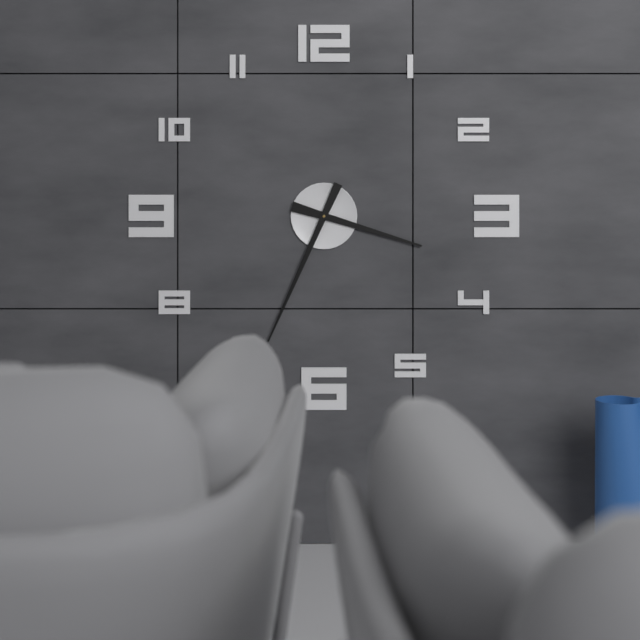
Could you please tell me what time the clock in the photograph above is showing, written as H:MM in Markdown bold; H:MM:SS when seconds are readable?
**3:34**
